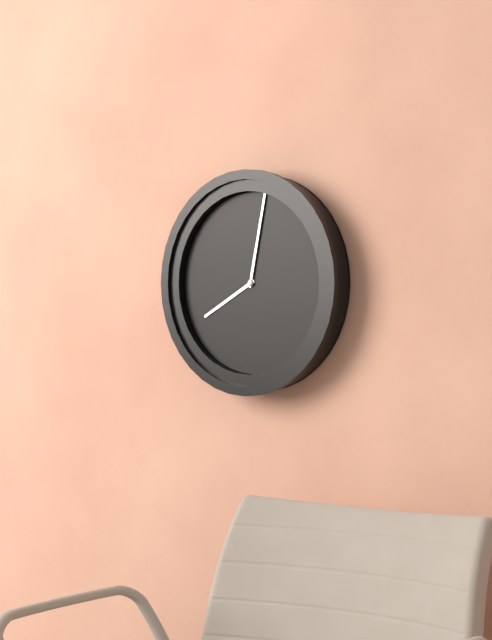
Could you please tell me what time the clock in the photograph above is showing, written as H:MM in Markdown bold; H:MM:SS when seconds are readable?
**8:02**
